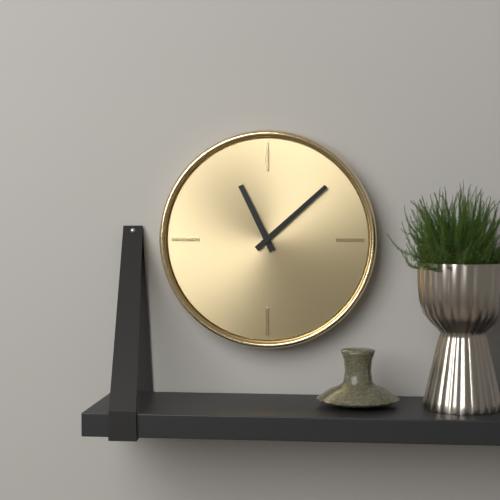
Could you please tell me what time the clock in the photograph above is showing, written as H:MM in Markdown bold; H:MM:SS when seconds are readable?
**11:08**
